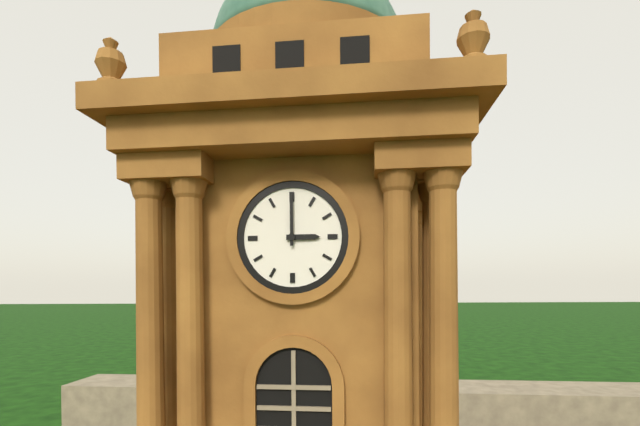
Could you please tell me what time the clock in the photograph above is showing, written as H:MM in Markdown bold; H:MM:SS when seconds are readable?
**3:00**
